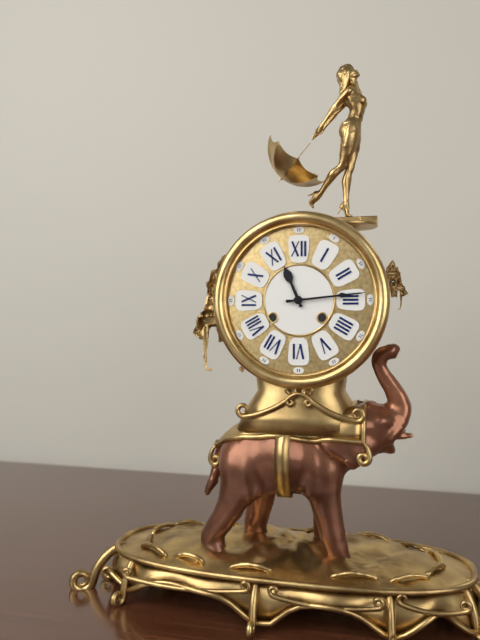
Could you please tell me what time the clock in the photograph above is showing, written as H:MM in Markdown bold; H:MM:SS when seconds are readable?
**11:14**
